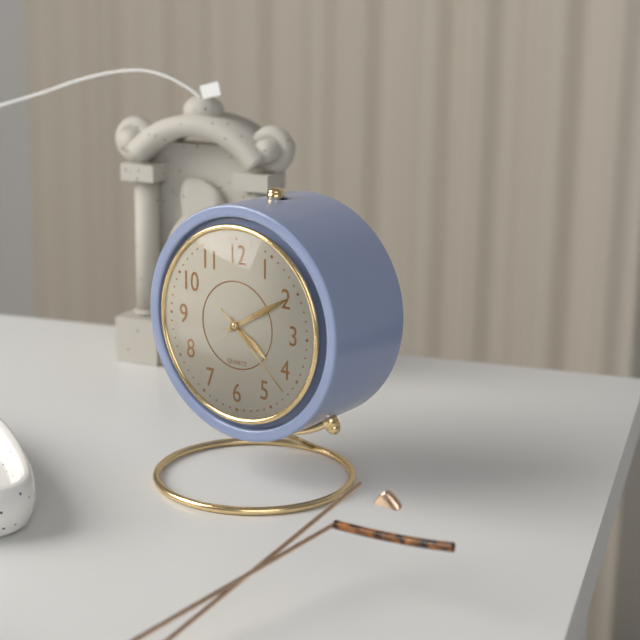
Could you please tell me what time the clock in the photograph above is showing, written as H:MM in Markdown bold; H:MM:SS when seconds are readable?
**4:10:22**
